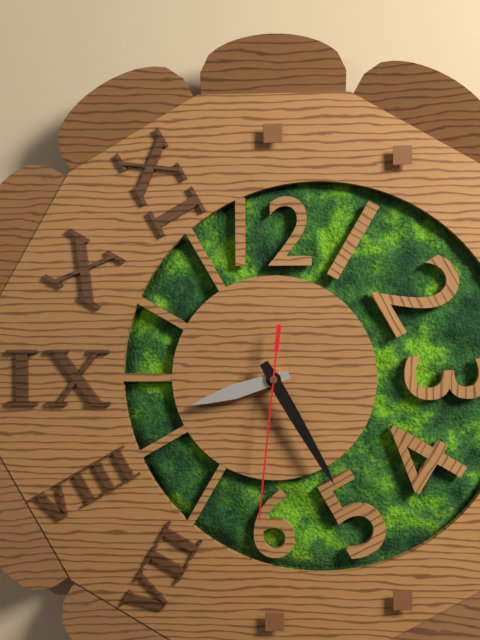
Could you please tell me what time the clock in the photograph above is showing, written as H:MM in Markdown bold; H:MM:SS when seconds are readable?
**8:25:31**
